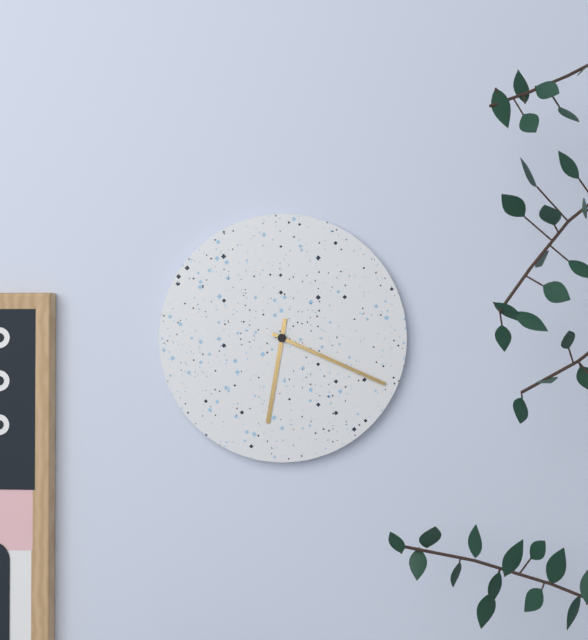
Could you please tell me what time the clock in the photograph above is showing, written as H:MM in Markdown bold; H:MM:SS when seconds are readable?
**6:19**
